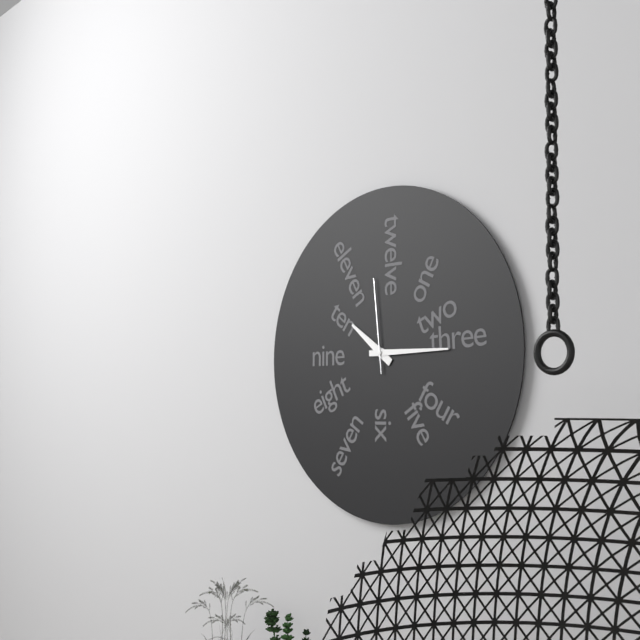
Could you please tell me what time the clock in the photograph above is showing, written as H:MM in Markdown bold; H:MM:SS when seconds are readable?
**10:15:59**
